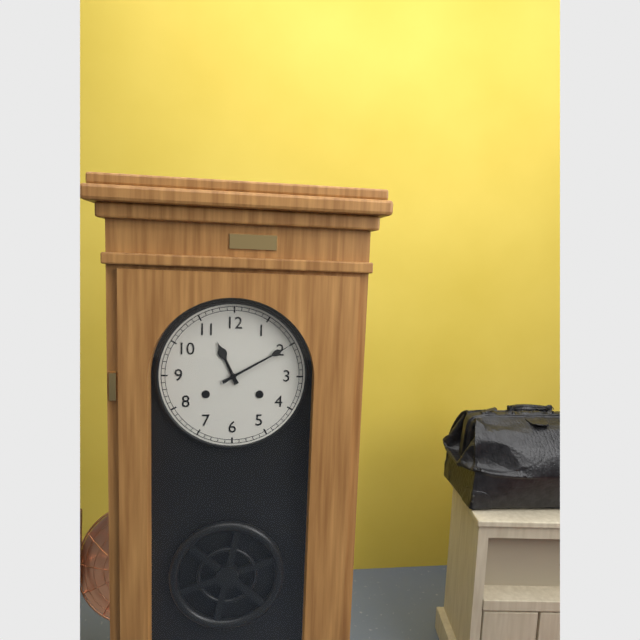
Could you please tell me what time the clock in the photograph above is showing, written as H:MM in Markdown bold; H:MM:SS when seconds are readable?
**11:10**
